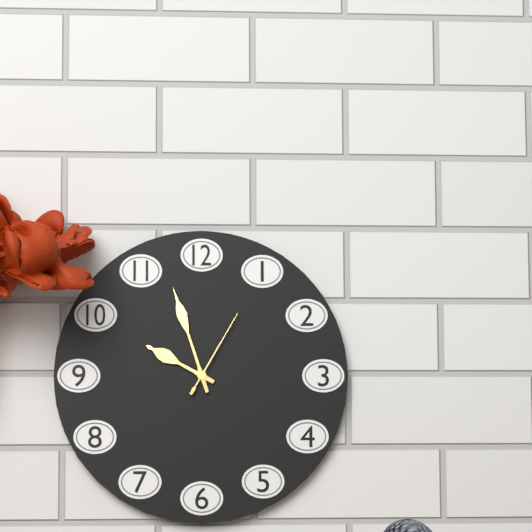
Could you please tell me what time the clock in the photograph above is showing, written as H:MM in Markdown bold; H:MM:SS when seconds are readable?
**9:57:05**
